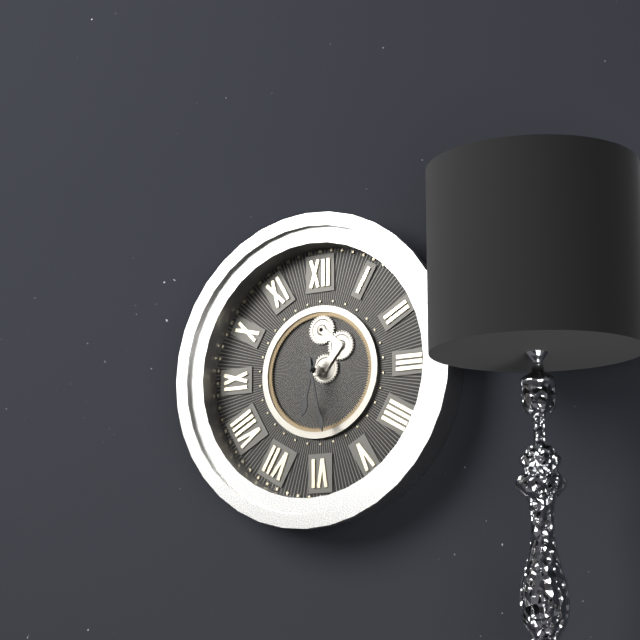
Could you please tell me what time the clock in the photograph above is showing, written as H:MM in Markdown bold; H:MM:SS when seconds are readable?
**6:28**
